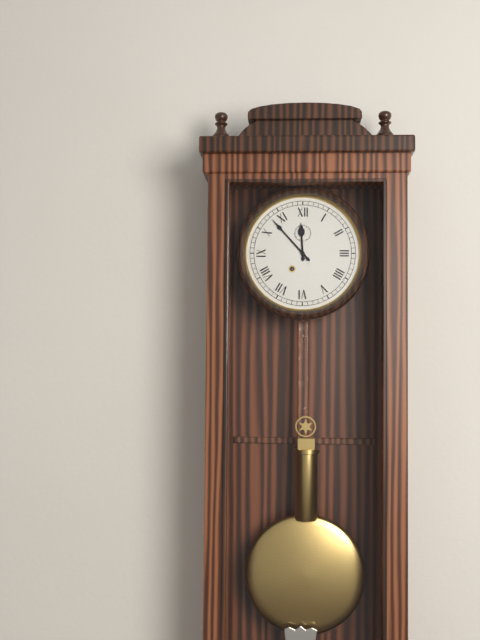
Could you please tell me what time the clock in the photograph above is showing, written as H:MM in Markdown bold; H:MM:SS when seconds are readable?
**11:53**
